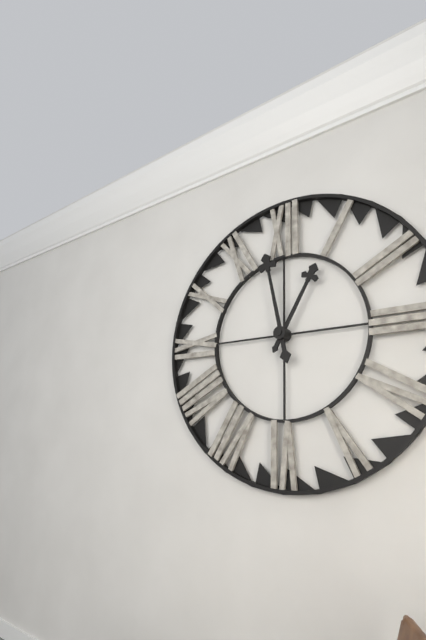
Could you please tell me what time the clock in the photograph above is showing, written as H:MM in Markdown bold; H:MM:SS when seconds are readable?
**12:58**
